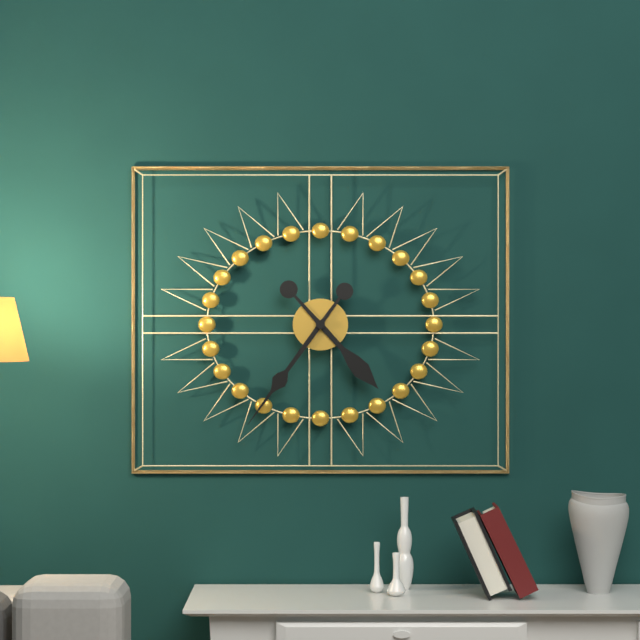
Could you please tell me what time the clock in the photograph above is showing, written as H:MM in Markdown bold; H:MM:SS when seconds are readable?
**4:36**
